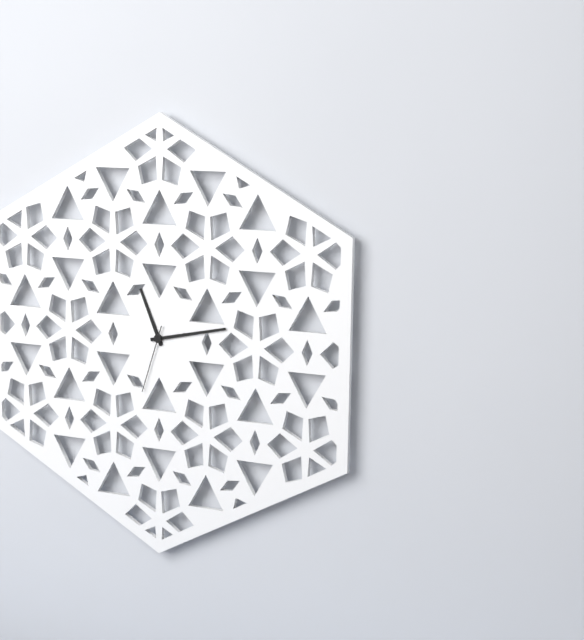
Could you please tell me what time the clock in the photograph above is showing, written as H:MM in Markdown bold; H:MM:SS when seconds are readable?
**11:13:33**
